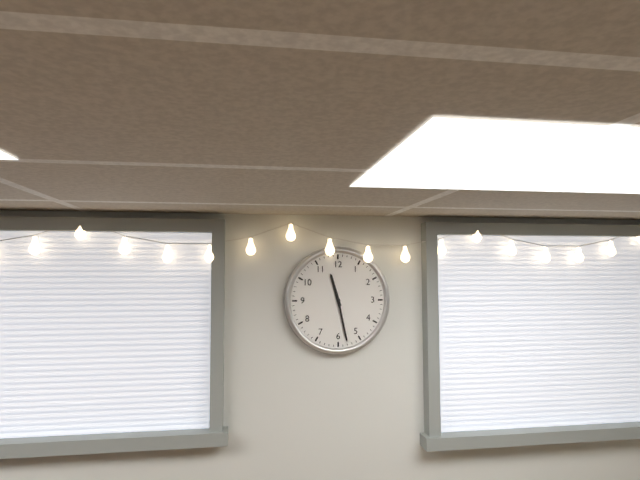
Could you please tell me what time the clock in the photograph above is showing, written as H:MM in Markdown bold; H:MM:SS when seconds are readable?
**11:28**
